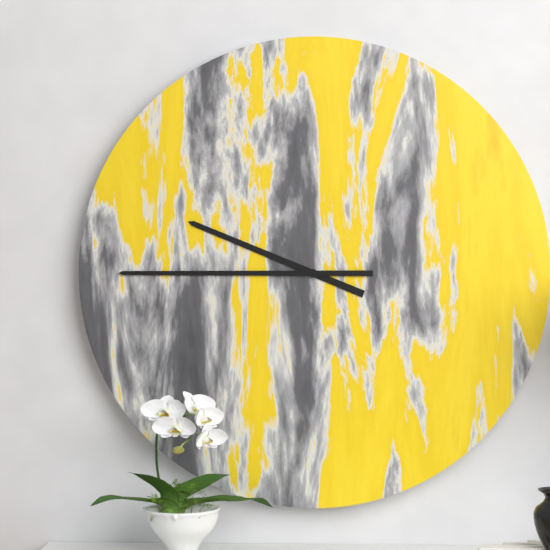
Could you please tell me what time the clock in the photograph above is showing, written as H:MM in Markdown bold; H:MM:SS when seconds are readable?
**9:45**
